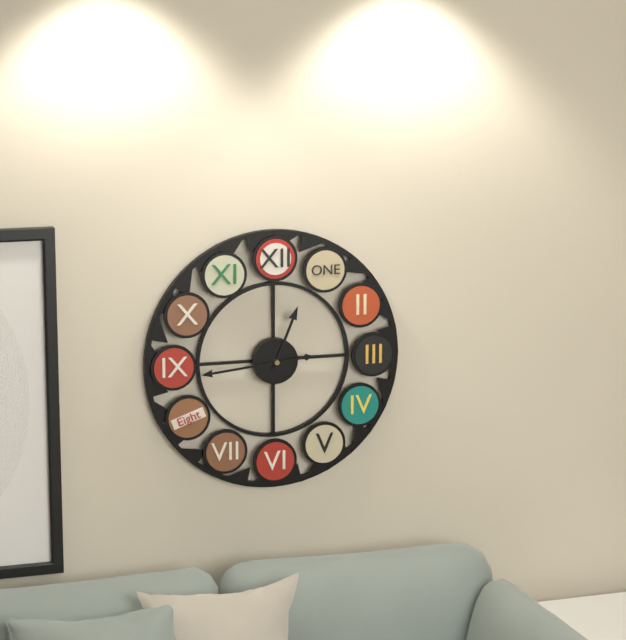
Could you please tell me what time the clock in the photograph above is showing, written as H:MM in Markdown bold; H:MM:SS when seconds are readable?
**12:44**
